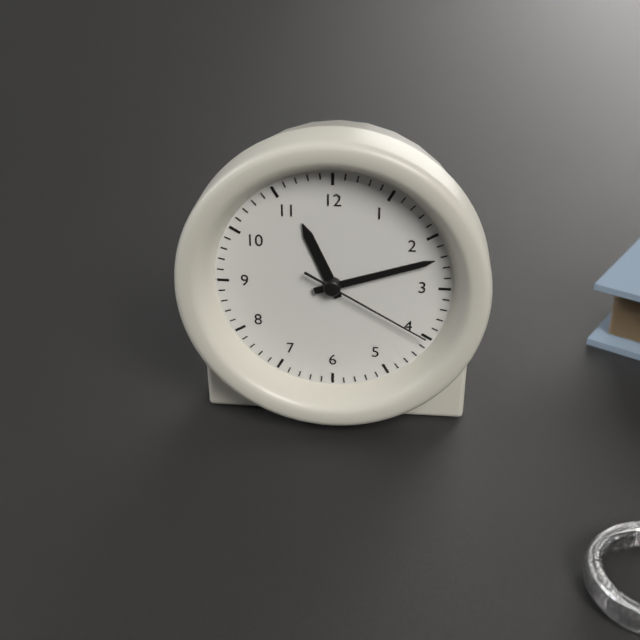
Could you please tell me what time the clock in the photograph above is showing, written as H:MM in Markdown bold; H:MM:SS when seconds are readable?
**11:12:20**
